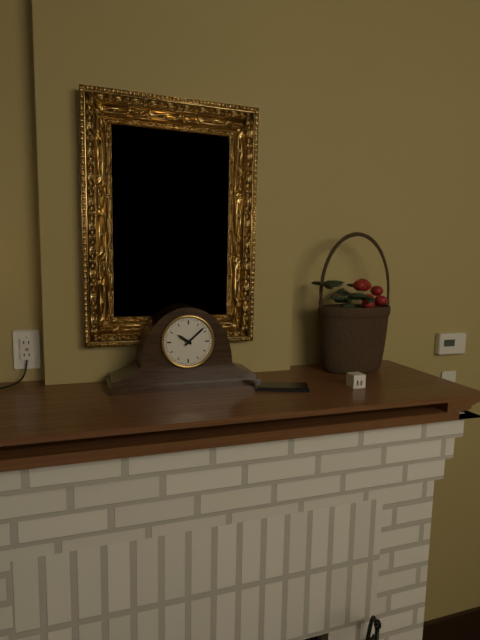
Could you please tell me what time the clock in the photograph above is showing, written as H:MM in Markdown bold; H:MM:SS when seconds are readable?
**10:08**
